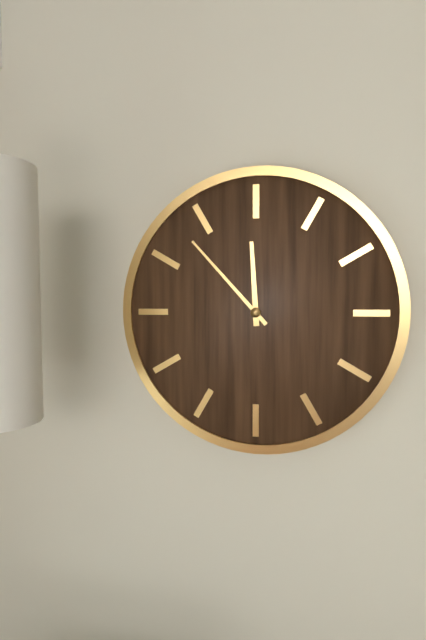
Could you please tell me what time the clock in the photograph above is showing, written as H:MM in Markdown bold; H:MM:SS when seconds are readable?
**11:53**
